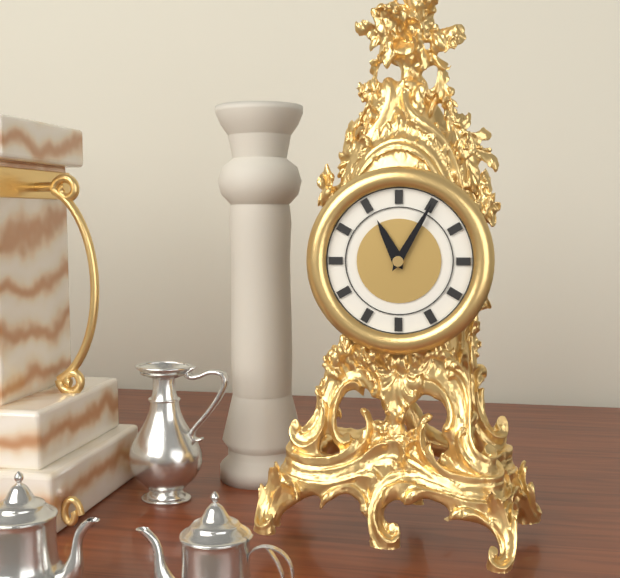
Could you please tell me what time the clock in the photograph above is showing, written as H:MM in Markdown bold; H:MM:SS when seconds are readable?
**11:05**
